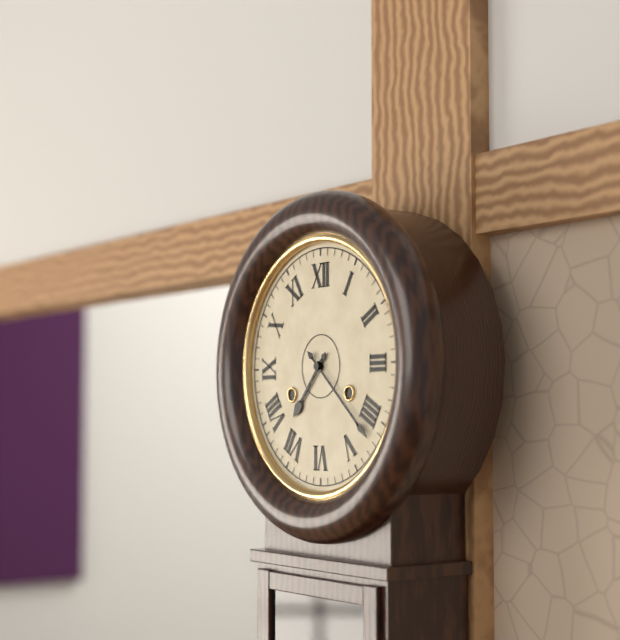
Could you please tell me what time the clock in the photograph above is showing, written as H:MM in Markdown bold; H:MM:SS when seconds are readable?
**7:22**
